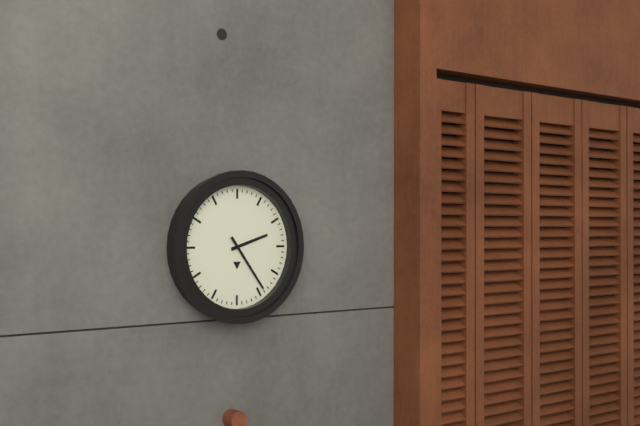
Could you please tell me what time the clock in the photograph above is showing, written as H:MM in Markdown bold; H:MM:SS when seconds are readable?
**2:24**
